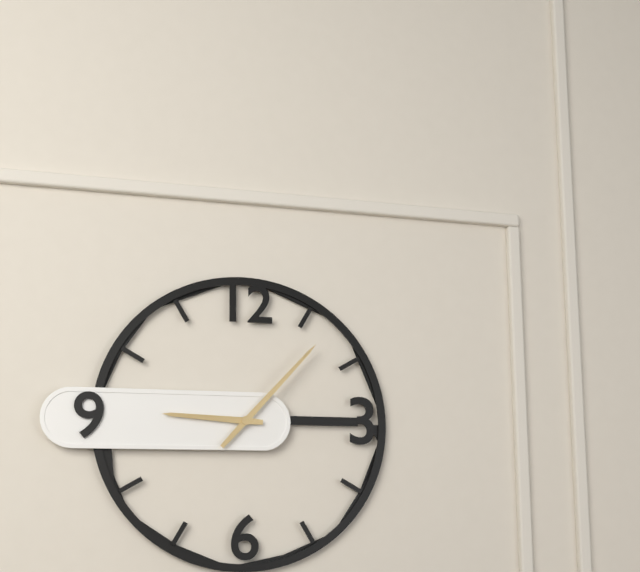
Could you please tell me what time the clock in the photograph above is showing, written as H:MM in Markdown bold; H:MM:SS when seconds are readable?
**9:07**
